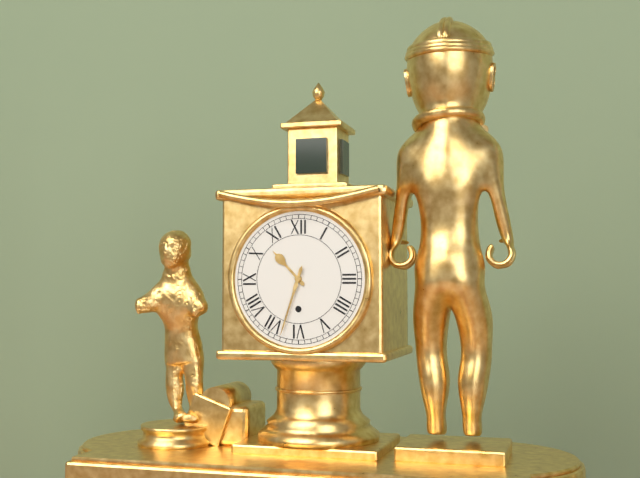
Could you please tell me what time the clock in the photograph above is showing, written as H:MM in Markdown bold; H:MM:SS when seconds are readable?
**10:33**
